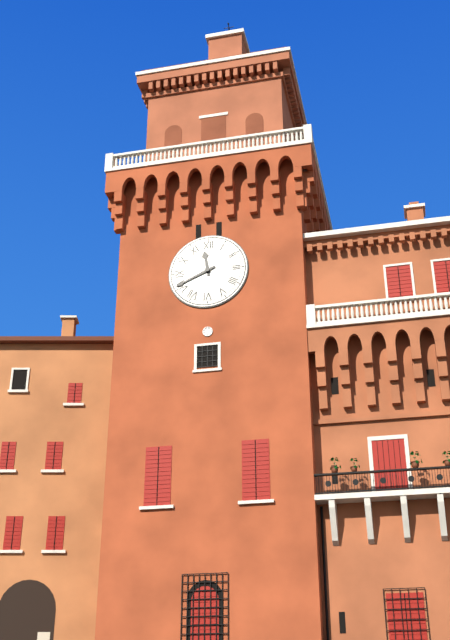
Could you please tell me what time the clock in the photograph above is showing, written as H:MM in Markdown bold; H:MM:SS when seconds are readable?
**11:41**
